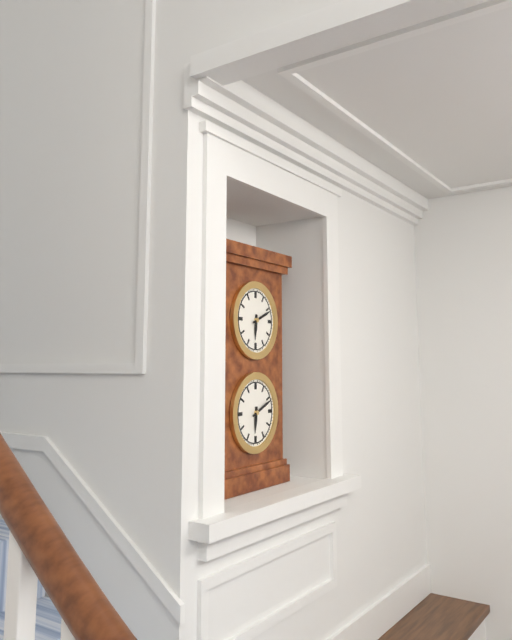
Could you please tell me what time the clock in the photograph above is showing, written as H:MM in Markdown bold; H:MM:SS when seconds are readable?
**6:11**
